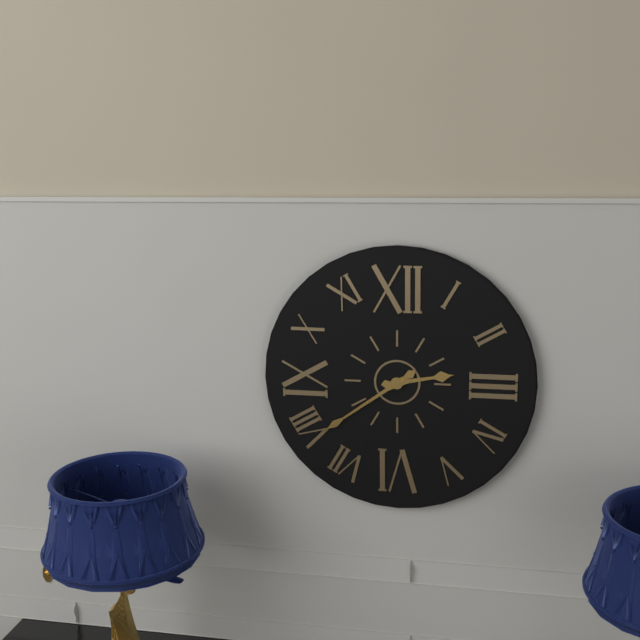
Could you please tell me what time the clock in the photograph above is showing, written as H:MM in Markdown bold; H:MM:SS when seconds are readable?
**2:39**
